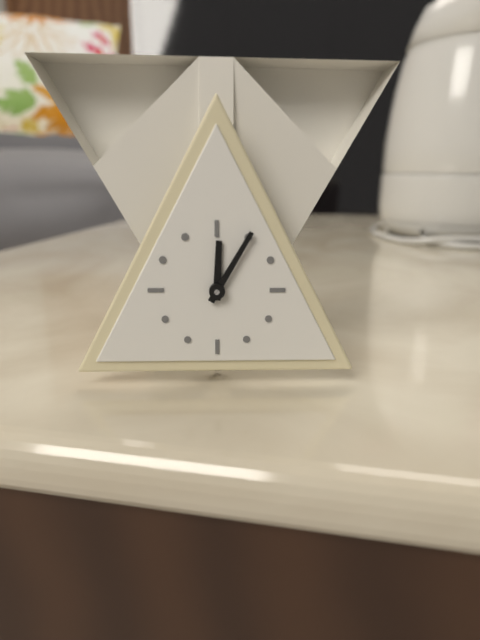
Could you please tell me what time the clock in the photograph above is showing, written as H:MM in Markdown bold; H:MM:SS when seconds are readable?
**12:05**
